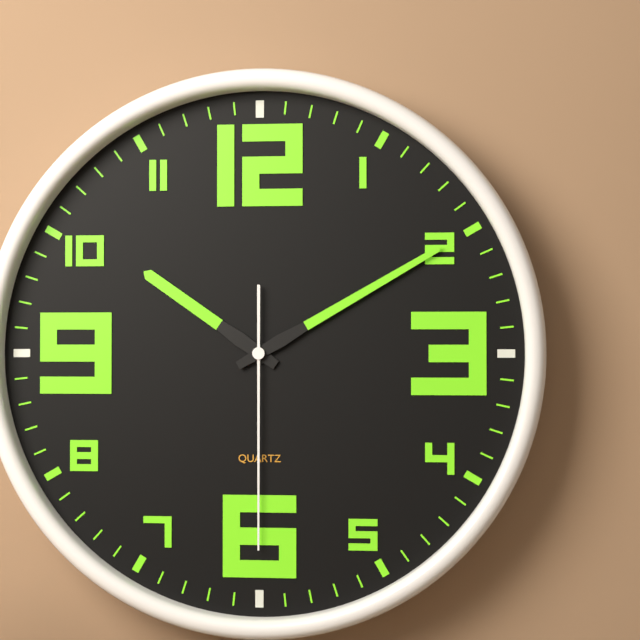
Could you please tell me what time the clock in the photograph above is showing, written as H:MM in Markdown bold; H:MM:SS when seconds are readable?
**10:10:30**
